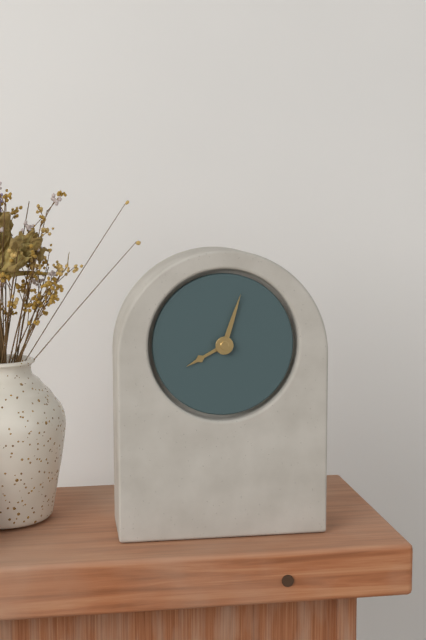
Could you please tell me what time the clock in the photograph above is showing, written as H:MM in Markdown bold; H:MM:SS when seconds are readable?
**8:03**
